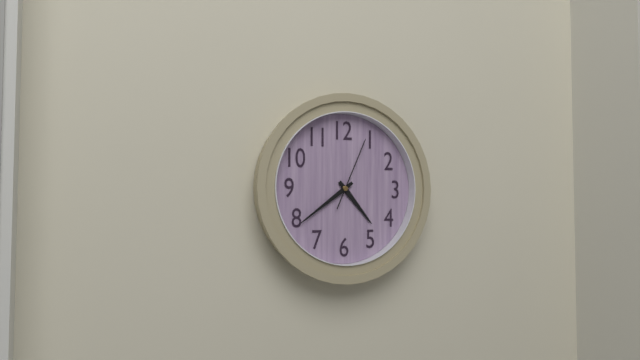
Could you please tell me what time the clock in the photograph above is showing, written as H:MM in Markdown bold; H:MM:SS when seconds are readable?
**4:39:04**
